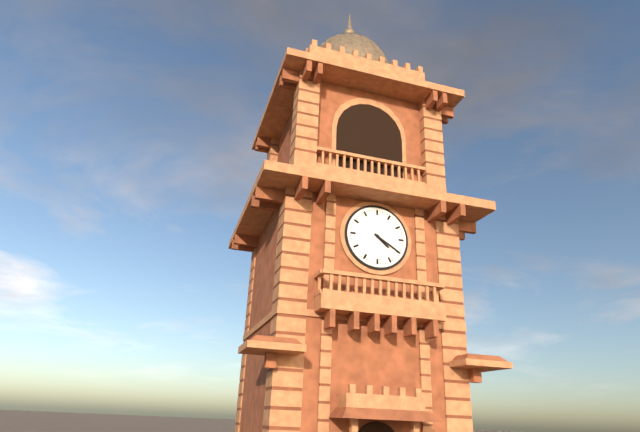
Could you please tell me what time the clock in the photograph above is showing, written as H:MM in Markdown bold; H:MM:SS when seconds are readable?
**4:20**
